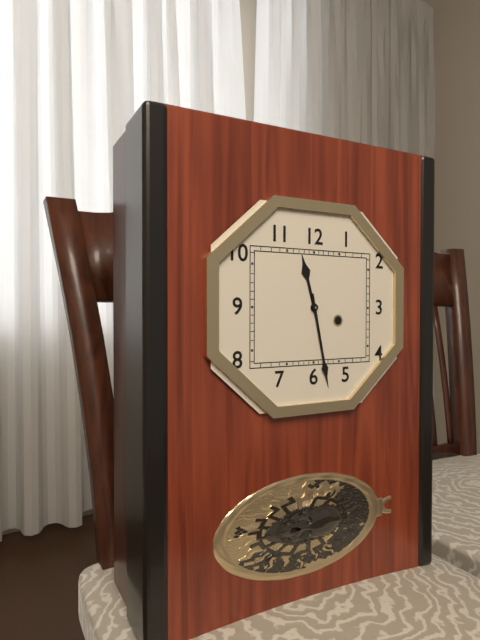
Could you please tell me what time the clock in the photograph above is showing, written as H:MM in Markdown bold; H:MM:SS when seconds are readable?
**11:28**
